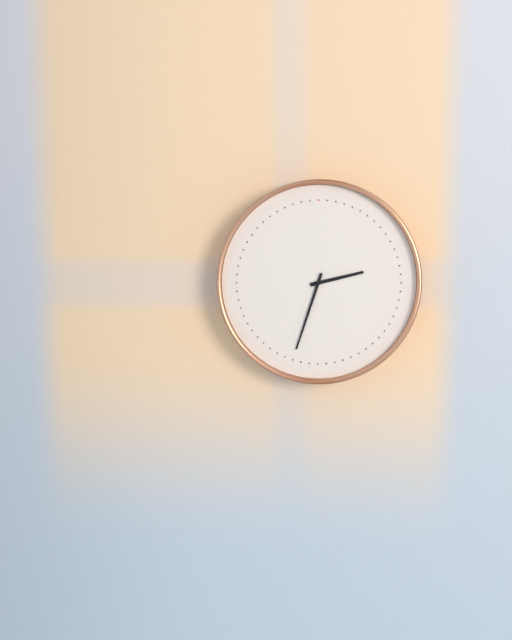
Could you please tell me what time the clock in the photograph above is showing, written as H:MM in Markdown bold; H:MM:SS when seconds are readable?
**2:33**
